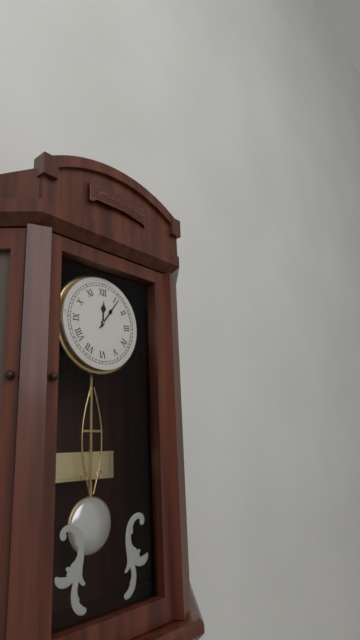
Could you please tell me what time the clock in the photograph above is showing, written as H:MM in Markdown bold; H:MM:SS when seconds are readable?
**12:06**
